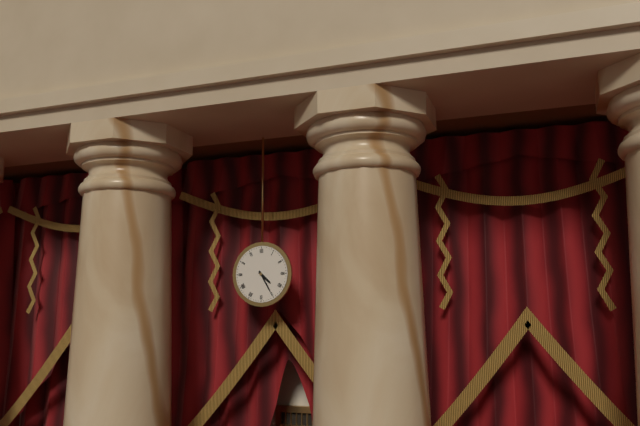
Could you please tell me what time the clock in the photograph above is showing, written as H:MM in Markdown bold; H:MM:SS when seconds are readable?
**4:25**
